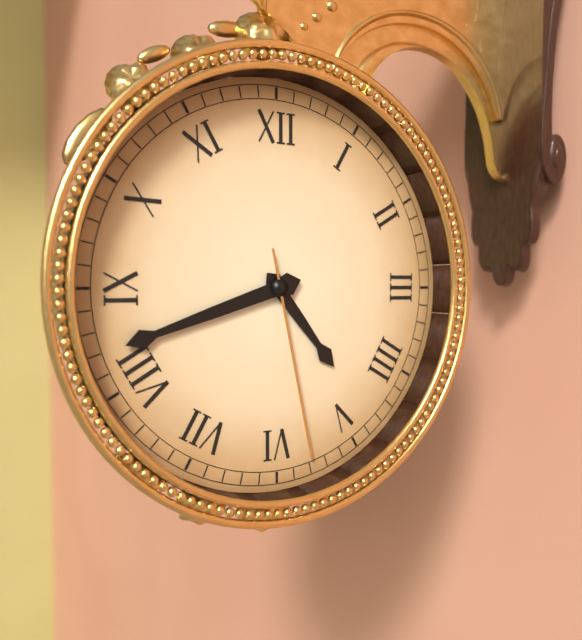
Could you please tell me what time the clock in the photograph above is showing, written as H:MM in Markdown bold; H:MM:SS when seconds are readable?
**4:42:28**
